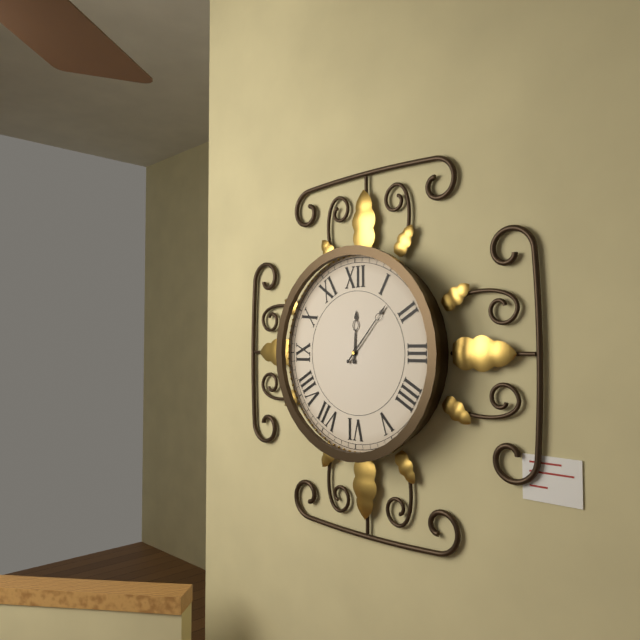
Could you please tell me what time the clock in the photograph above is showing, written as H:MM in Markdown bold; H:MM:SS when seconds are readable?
**12:07**
